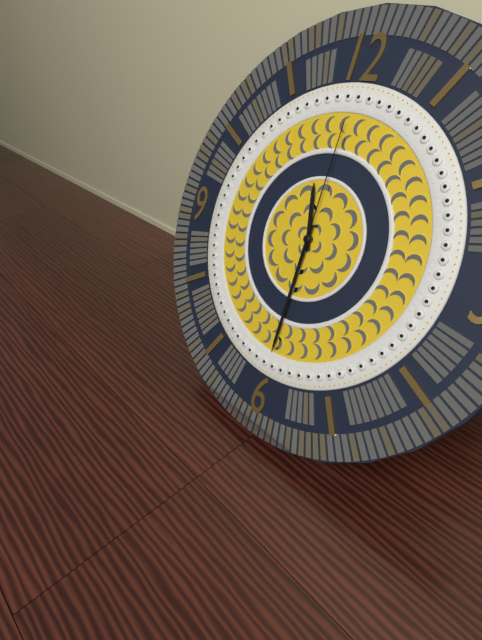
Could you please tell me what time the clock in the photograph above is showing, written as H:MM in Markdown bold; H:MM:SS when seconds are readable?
**11:30:00**
